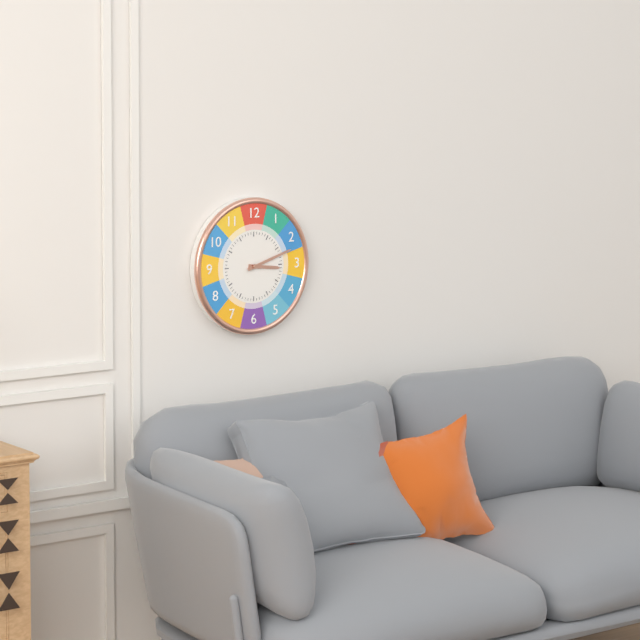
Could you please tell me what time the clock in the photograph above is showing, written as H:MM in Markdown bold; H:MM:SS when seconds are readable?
**3:12**
